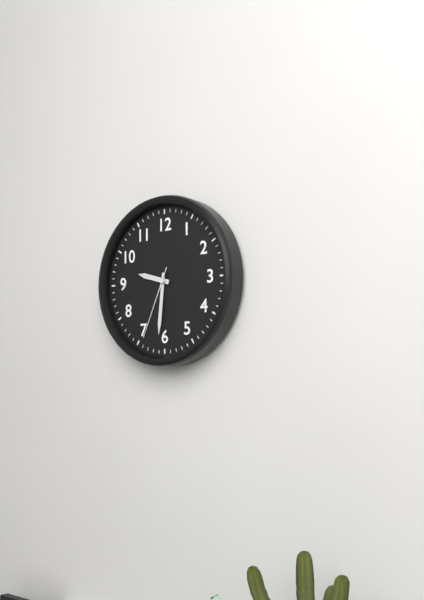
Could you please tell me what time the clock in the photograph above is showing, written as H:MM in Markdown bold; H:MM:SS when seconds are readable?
**9:31:34**
